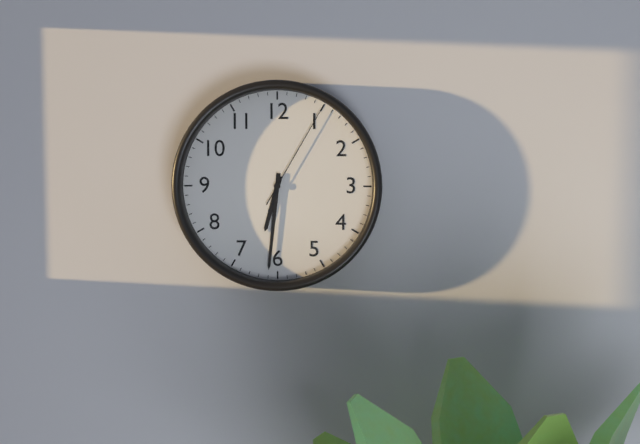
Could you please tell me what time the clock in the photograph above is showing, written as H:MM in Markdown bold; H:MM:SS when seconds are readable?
**6:31:05**
